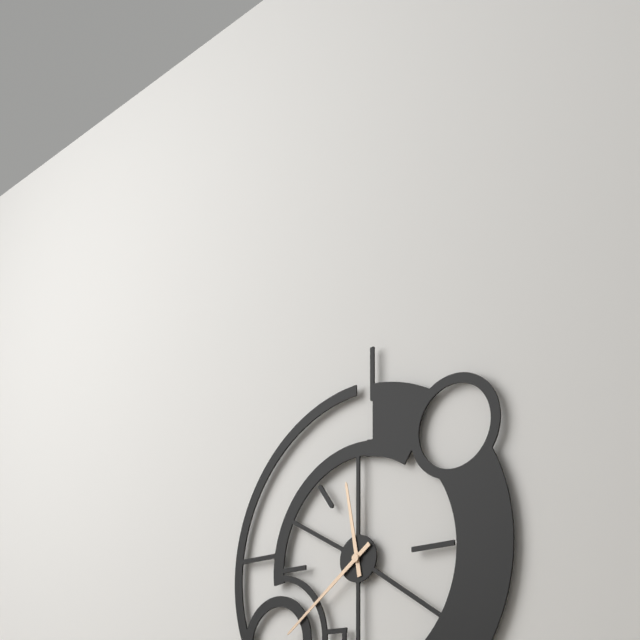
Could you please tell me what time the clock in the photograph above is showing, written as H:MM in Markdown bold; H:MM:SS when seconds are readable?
**11:39**
